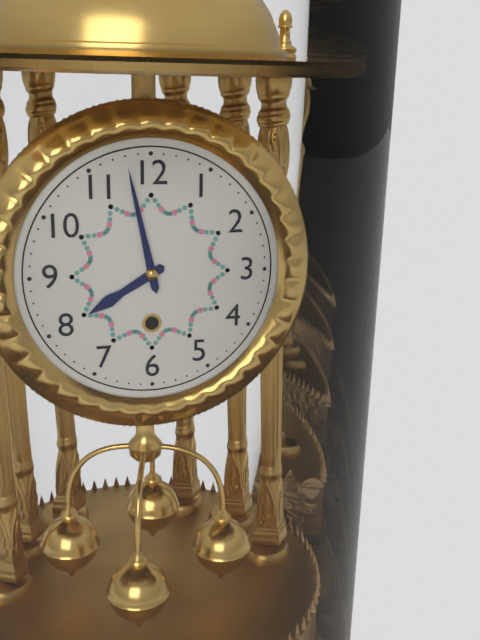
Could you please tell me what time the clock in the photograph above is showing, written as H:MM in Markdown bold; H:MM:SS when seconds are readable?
**7:58**
